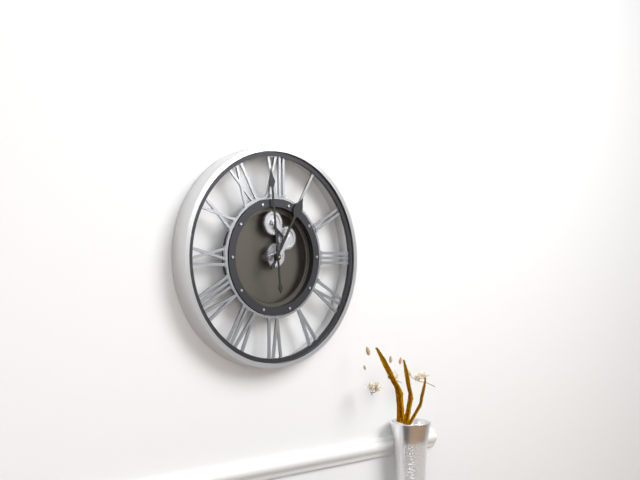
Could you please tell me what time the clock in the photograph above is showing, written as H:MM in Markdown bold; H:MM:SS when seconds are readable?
**12:59**
